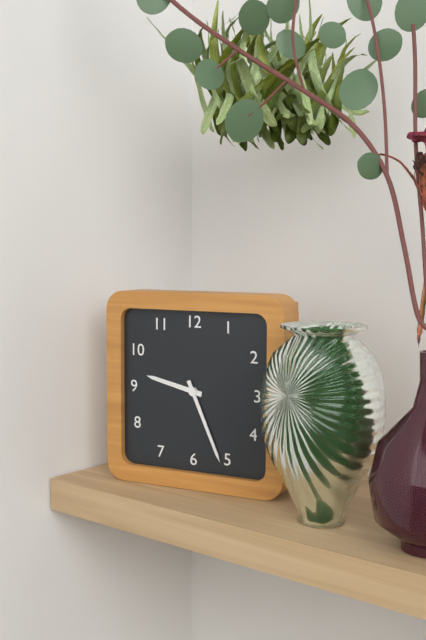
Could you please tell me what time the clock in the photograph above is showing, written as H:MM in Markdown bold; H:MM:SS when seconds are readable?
**9:26**
